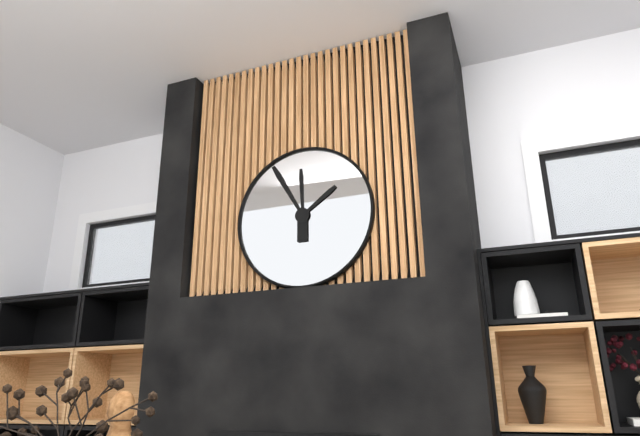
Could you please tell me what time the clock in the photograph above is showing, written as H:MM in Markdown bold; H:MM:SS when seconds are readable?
**11:55:09**
